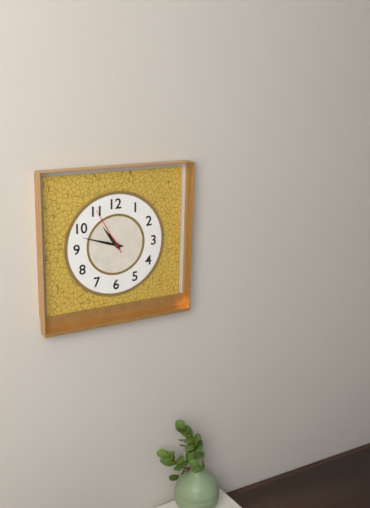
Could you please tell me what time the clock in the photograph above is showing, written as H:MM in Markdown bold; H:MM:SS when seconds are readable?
**10:48:55**
